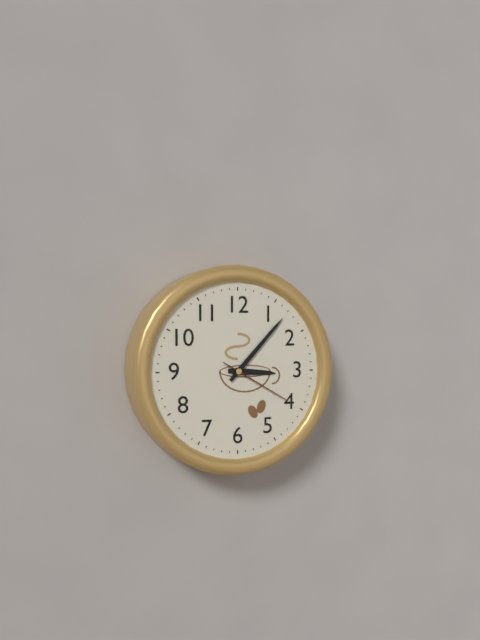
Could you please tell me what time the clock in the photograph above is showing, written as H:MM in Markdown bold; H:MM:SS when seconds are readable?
**3:07:20**
